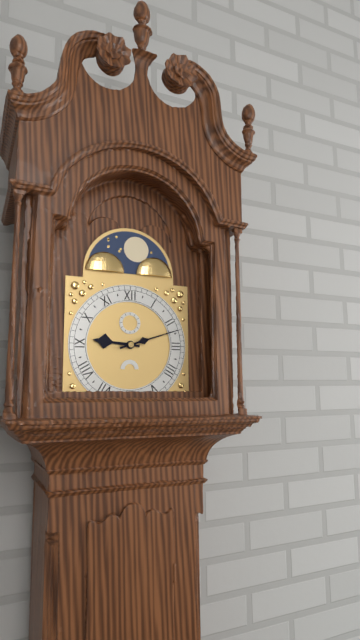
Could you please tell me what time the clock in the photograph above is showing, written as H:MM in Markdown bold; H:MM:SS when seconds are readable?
**9:12**
